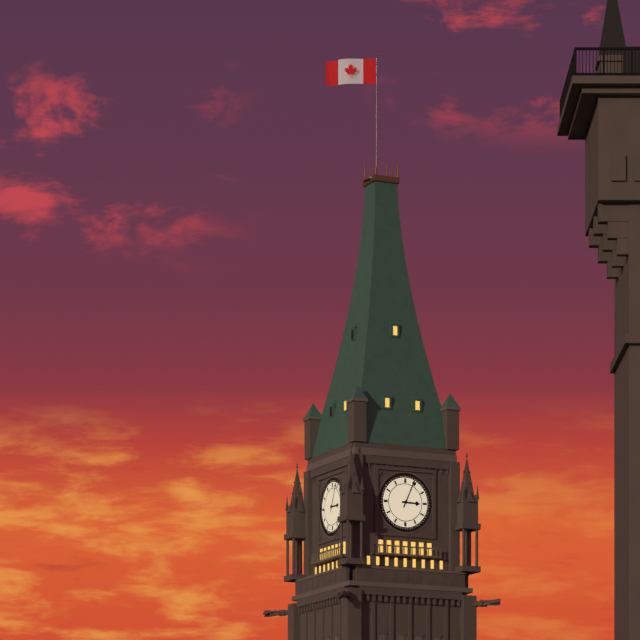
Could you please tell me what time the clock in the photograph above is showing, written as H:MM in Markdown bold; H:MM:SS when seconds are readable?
**3:04**
